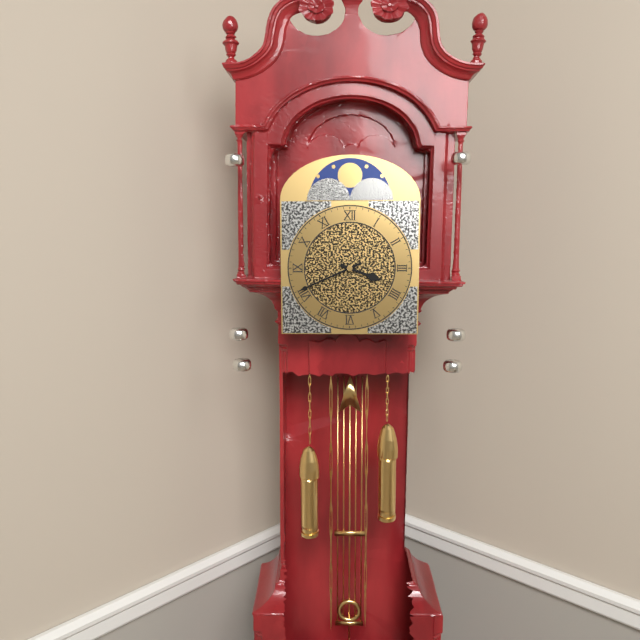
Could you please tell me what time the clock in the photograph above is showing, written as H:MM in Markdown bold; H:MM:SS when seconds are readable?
**3:41**
